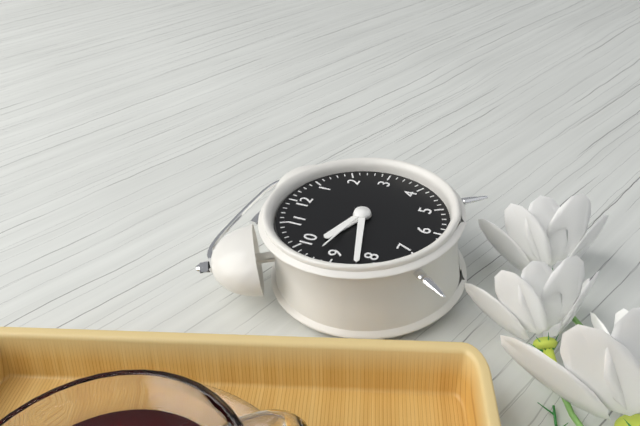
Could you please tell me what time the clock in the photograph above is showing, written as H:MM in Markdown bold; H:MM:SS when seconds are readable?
**9:42:47**
